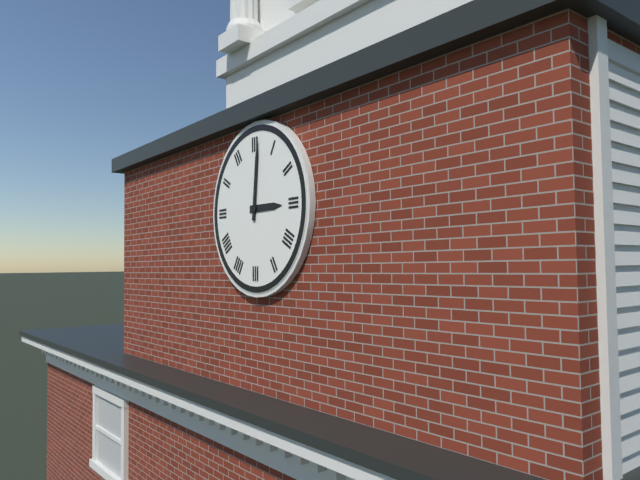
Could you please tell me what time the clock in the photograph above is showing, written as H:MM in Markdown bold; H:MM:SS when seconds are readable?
**3:01**
